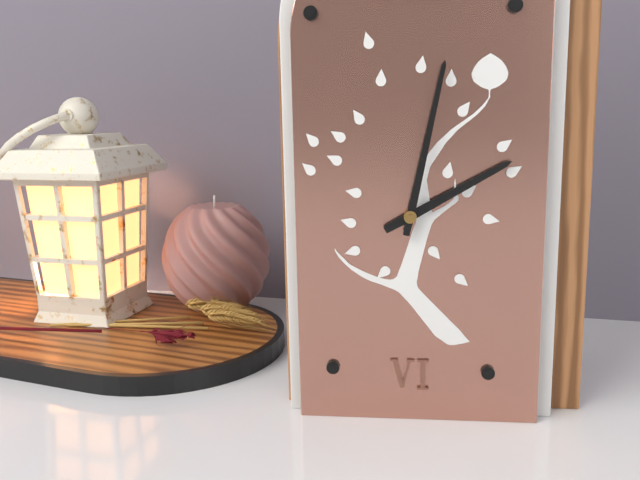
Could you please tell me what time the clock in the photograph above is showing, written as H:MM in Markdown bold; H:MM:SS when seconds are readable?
**2:02**
